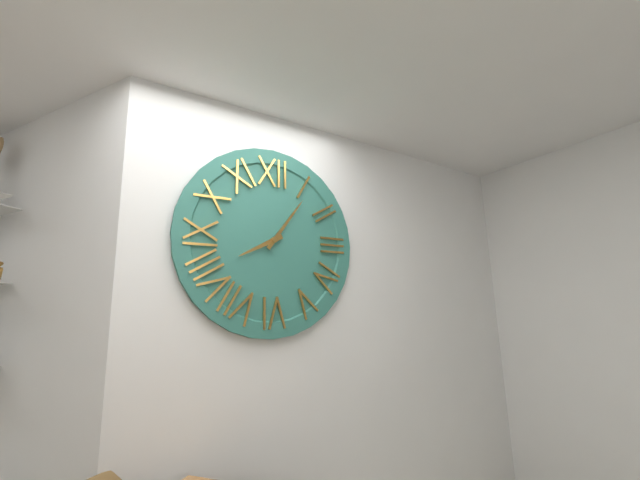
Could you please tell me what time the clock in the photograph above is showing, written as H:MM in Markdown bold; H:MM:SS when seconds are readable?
**8:06**
